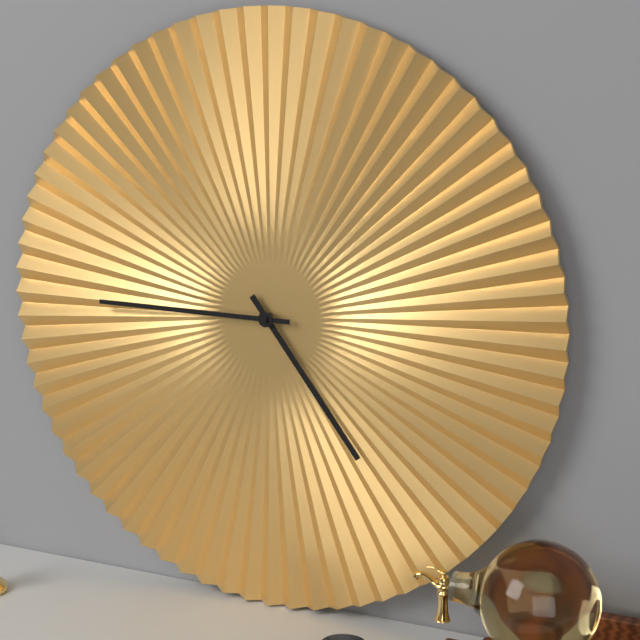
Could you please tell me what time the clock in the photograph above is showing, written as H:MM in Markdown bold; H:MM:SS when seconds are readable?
**4:45**
